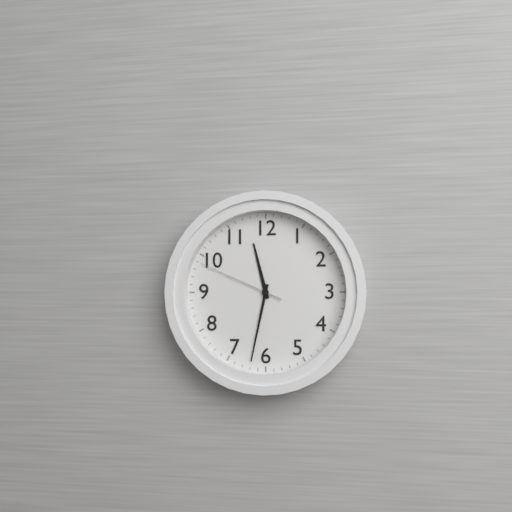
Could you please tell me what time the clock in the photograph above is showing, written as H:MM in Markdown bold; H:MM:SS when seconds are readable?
**11:32:49**
